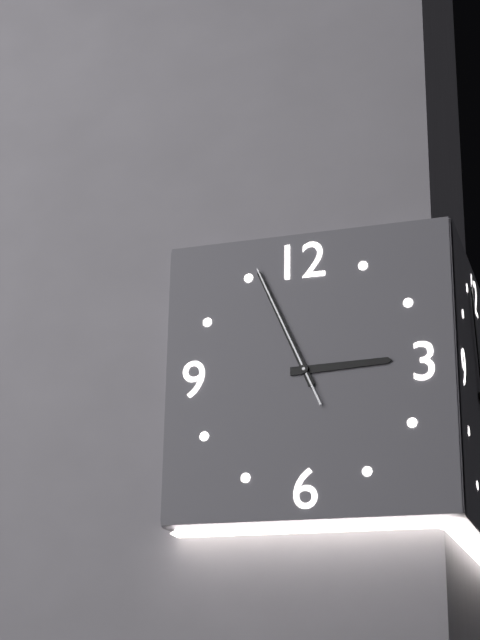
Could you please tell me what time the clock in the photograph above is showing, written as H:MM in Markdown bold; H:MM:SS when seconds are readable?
**2:56:56**
